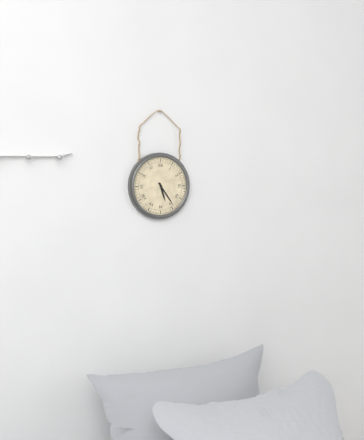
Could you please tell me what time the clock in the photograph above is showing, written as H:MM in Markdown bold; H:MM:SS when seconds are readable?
**5:24**
